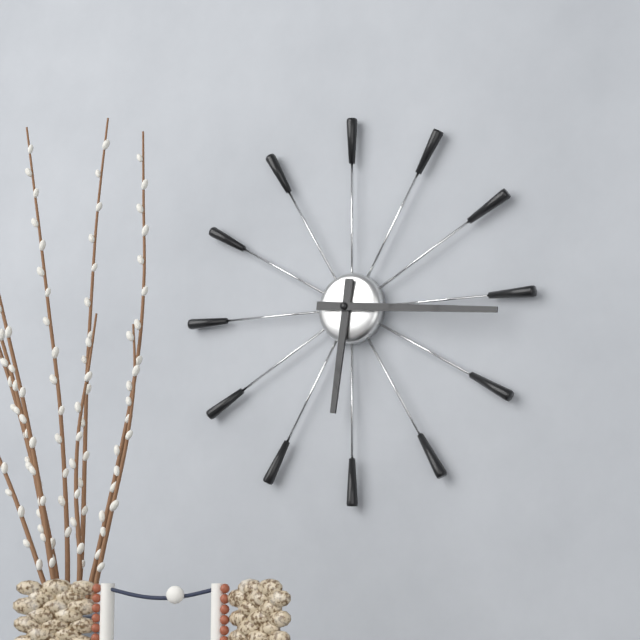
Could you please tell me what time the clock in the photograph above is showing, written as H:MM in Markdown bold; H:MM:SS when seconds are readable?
**6:16**
